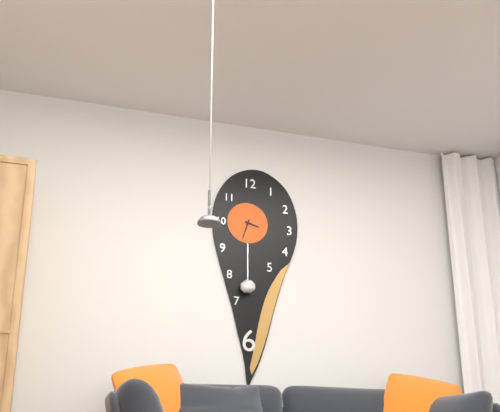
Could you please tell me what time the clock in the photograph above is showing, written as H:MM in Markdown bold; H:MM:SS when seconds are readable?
**3:33**
